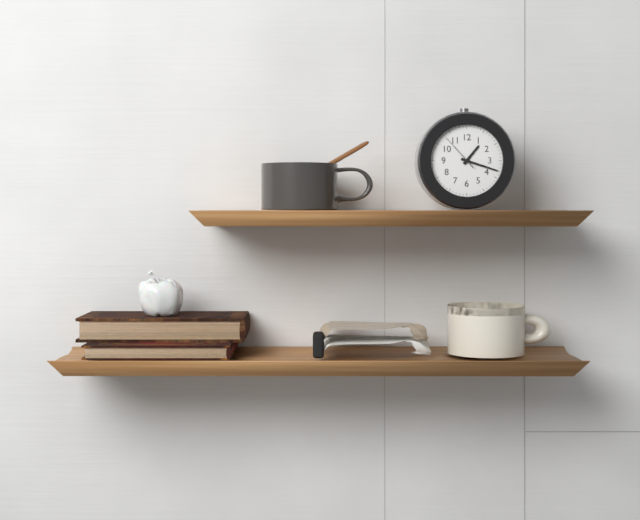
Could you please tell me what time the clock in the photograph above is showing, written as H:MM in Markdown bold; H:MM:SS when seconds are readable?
**1:18**
